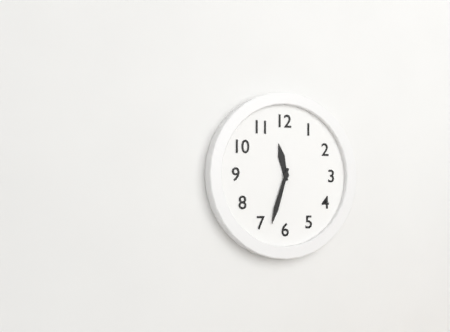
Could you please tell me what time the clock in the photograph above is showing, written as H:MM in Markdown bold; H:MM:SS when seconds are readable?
**11:33**
